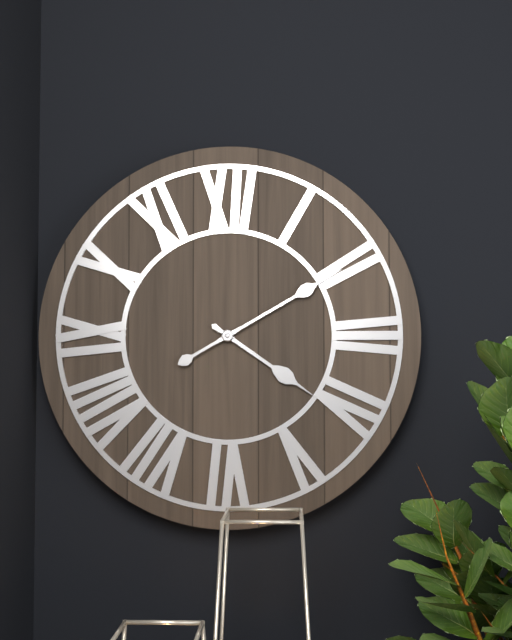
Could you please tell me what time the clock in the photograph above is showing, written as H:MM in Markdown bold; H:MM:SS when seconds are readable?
**4:10**
